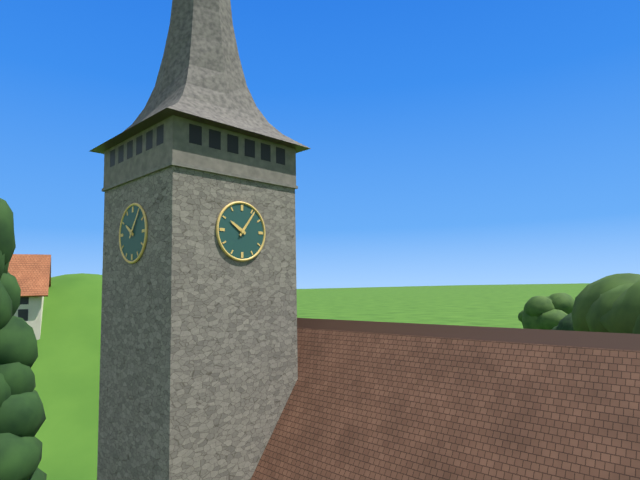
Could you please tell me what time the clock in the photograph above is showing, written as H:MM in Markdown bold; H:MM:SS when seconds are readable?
**10:06**
